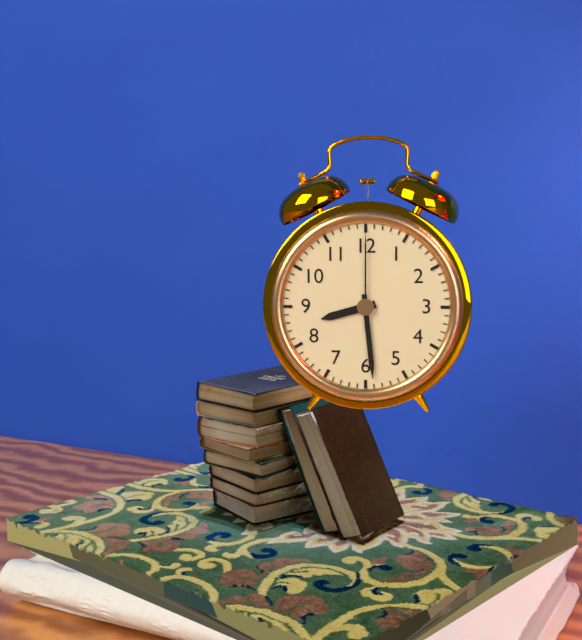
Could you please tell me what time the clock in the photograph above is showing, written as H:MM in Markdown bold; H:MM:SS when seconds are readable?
**8:29:00**
